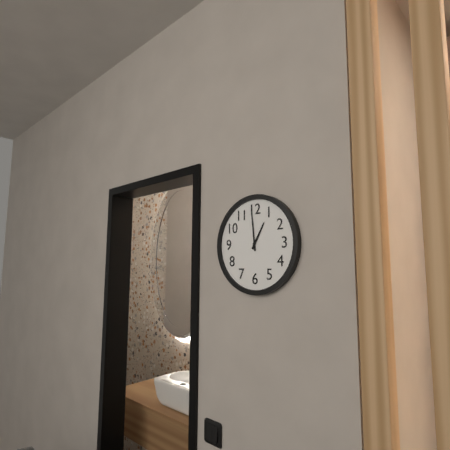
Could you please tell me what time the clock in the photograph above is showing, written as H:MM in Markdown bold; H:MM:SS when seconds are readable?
**12:59**
